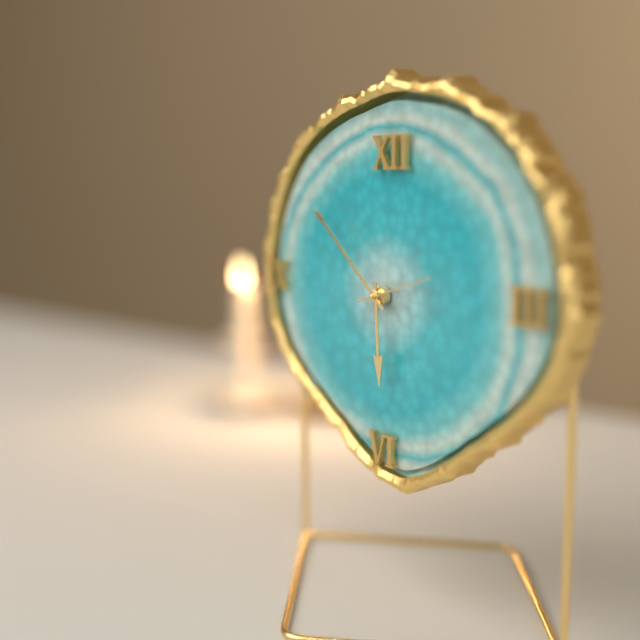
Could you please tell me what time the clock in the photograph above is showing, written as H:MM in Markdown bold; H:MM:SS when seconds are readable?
**5:52:12**
